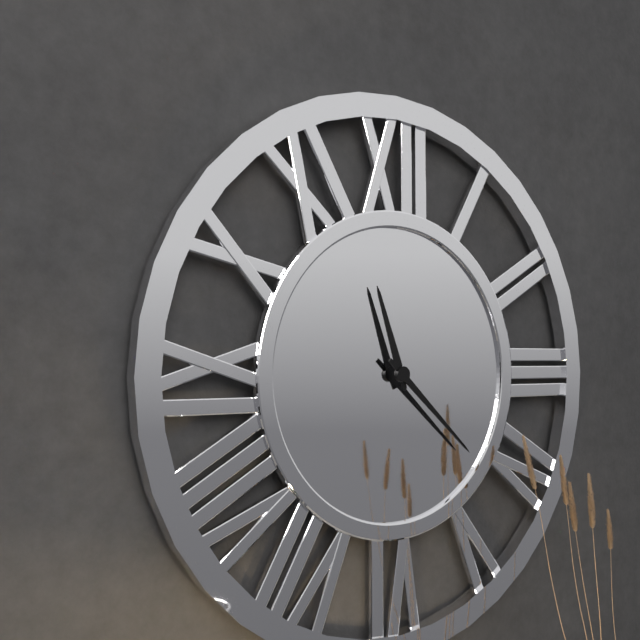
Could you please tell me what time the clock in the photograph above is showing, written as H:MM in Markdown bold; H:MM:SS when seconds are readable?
**11:22**
